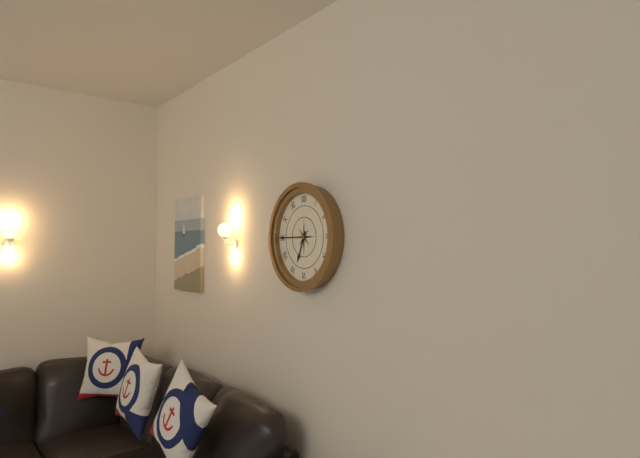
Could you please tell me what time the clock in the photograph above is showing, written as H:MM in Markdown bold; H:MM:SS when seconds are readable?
**6:45**
